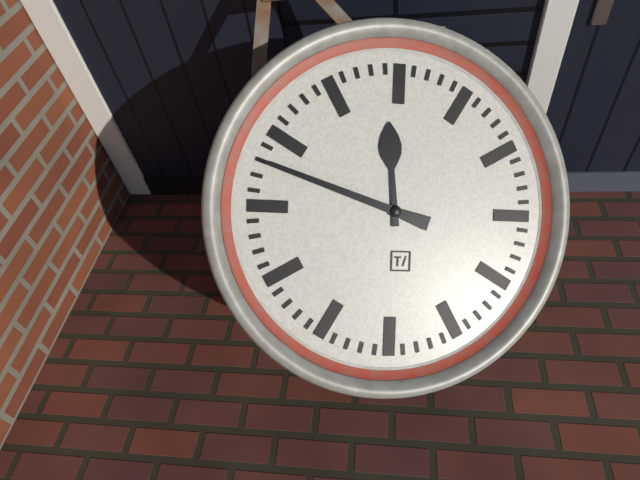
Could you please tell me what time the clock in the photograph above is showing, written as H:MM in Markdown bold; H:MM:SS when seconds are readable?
**11:48**
